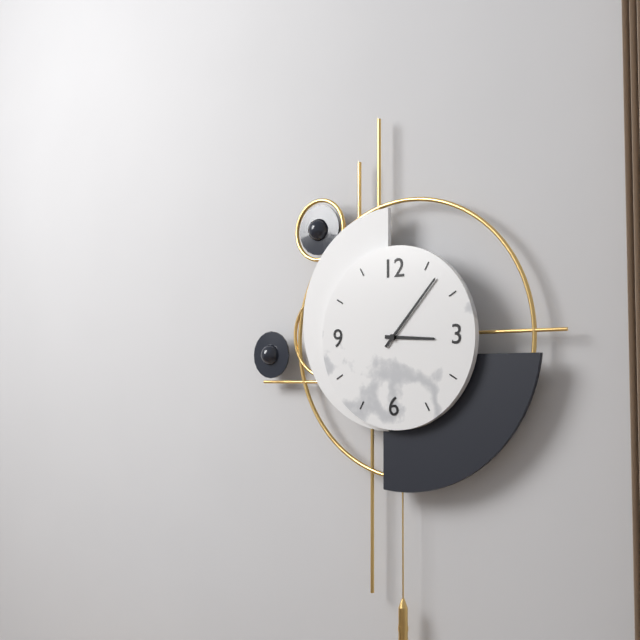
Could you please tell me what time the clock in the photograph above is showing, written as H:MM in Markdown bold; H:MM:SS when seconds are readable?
**3:07**
